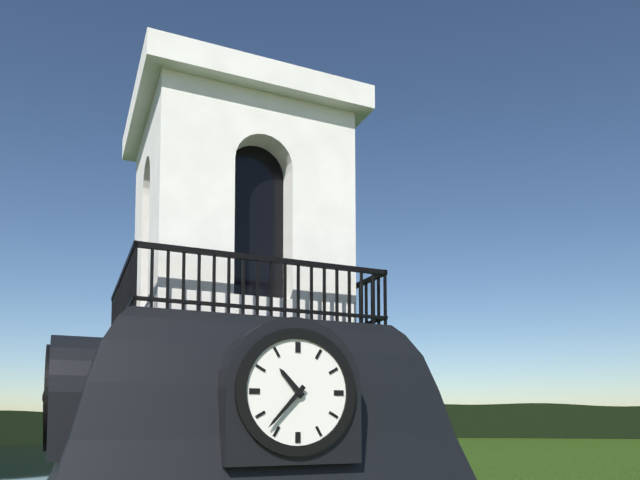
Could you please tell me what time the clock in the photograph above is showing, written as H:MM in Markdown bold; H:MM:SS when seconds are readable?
**10:37**
